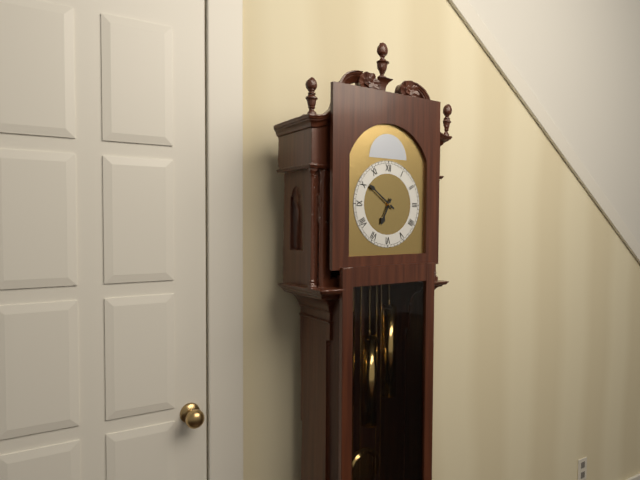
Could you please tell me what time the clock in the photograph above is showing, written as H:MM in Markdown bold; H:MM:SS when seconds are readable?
**6:51**
